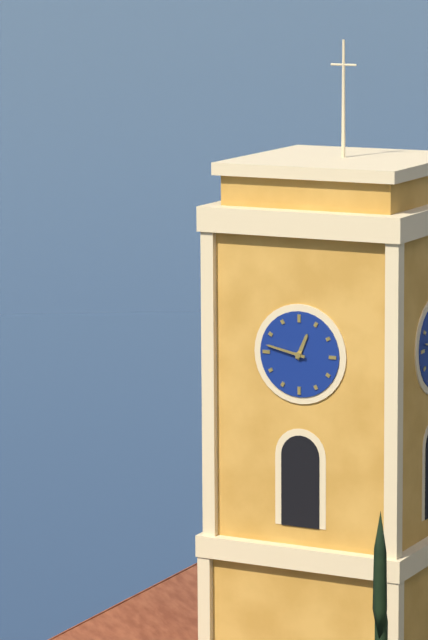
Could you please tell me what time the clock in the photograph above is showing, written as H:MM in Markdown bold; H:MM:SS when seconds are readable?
**12:47**
